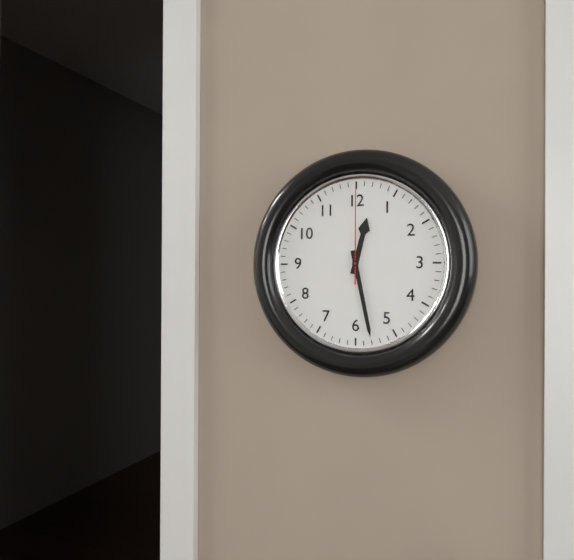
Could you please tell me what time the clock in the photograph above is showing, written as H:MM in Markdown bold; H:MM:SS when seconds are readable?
**12:28:00**
